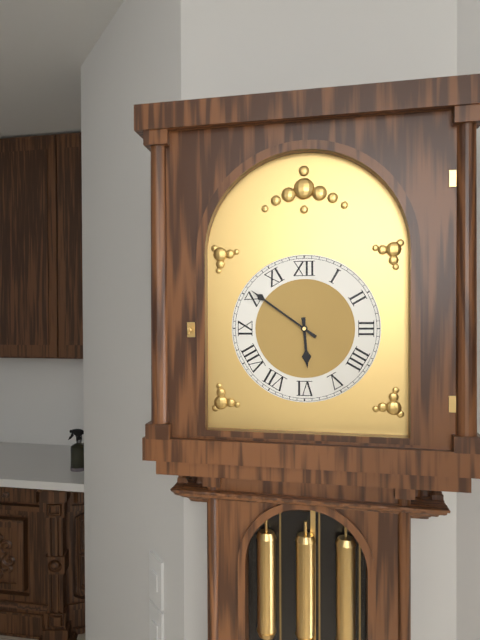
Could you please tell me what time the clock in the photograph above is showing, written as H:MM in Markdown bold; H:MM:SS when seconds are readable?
**5:51**
